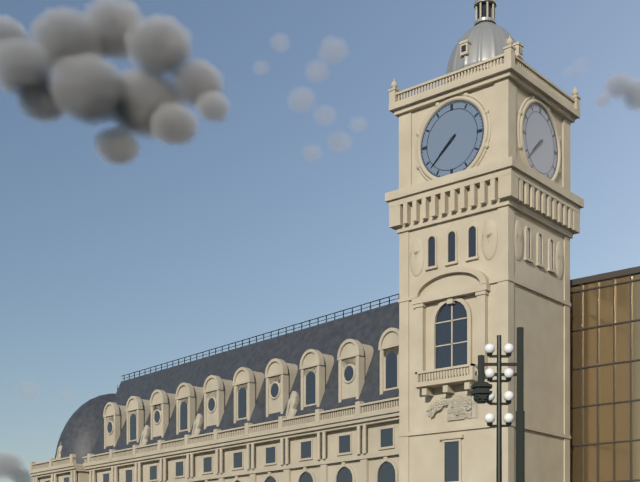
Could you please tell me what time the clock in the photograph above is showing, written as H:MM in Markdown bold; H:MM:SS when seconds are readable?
**7:38**
